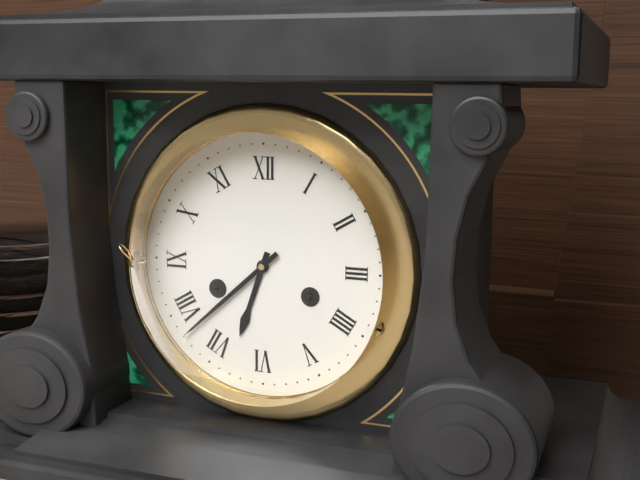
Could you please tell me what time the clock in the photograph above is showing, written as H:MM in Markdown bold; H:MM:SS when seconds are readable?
**6:38**
